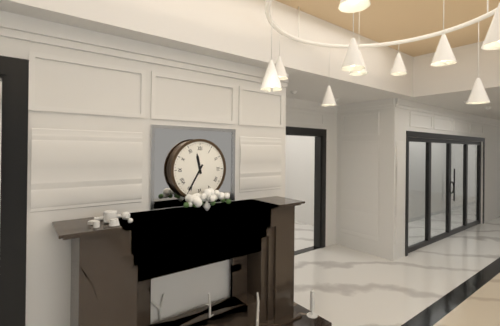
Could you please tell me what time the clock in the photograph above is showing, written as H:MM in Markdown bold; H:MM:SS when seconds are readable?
**11:35**
